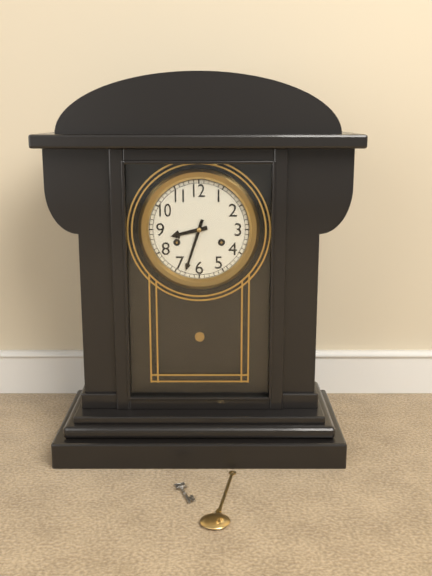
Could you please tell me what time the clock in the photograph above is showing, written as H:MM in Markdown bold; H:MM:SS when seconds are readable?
**8:33**
